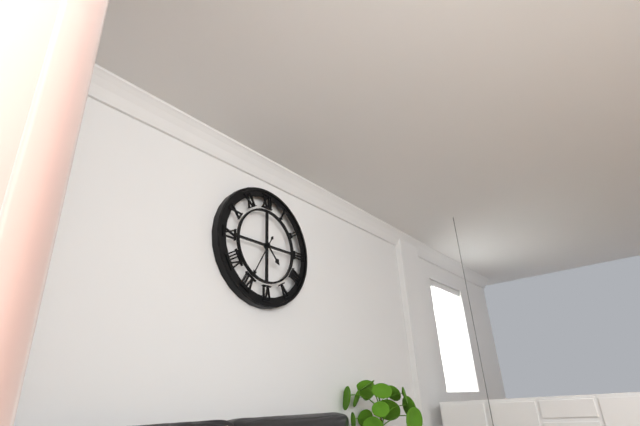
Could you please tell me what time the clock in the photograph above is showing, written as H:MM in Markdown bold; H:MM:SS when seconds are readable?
**4:35**
